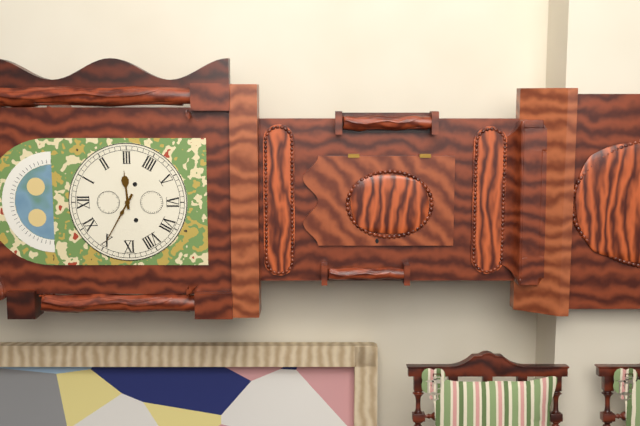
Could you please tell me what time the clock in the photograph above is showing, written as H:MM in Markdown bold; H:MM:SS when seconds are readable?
**2:50**
